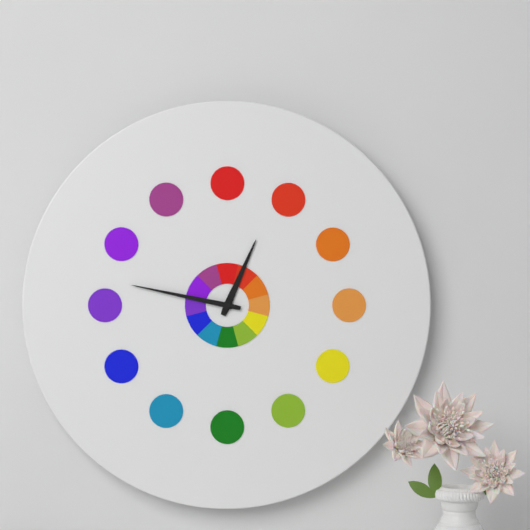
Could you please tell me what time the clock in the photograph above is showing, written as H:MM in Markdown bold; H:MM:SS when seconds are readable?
**12:47**
